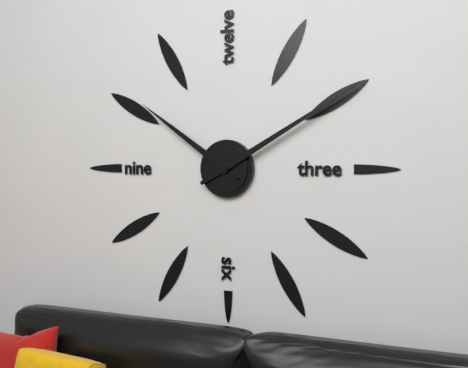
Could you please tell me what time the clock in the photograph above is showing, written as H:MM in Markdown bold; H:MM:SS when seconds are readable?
**10:10**
